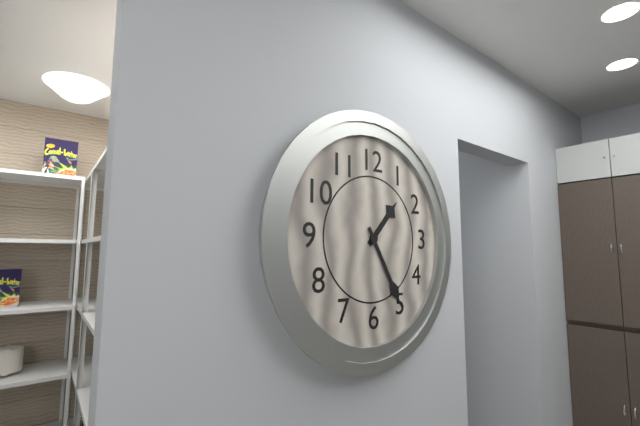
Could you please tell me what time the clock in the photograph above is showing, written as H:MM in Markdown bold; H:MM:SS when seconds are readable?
**1:25**
